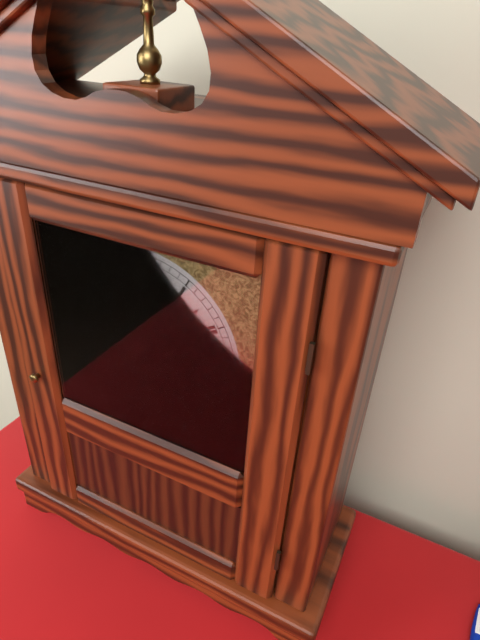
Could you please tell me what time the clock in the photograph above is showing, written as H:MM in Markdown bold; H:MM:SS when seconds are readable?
**10:55**
